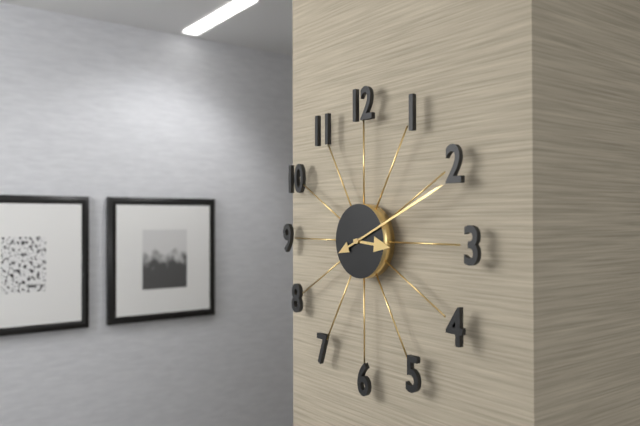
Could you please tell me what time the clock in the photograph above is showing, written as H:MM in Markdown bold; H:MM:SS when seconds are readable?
**3:11**
